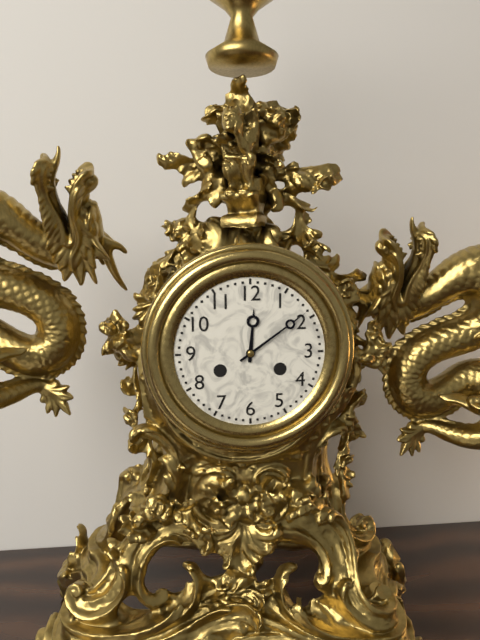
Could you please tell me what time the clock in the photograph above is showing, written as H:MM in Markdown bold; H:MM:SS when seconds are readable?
**12:09**
